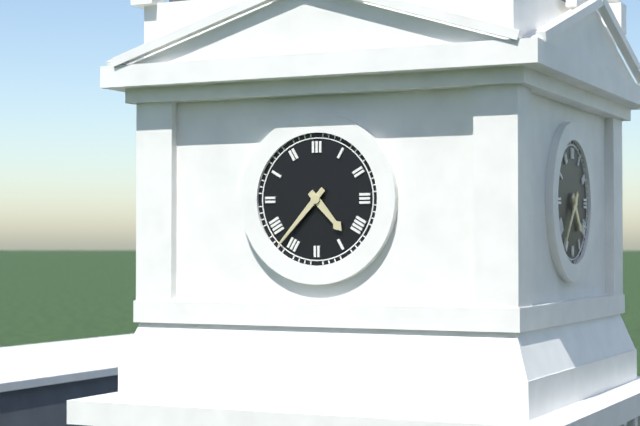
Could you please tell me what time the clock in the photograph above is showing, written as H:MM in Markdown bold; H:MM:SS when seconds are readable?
**4:37**
